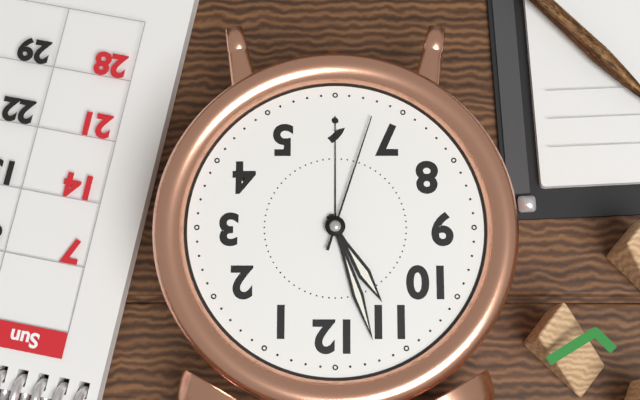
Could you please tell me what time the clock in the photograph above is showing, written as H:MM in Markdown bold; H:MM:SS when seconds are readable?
**10:57:33**
